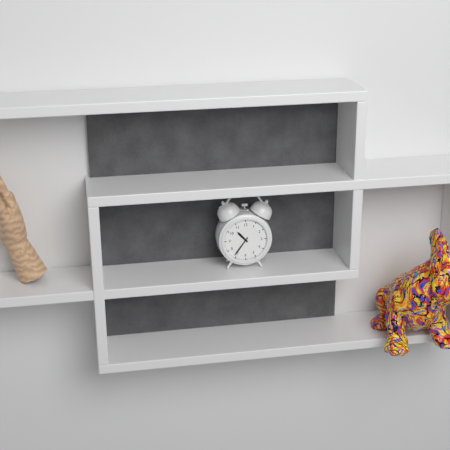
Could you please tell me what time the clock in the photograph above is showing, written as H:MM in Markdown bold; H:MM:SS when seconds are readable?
**10:36**
